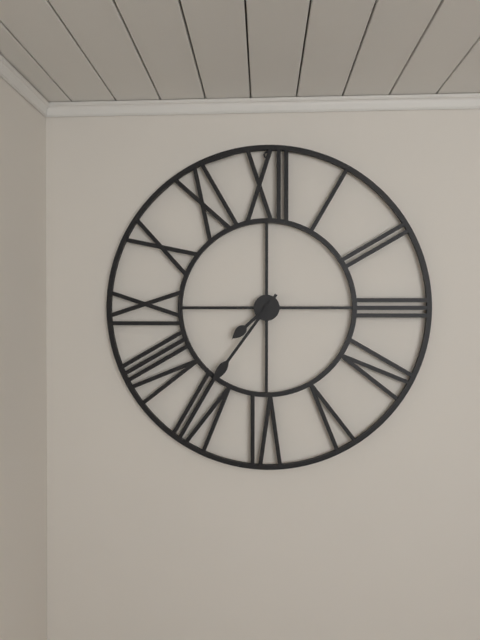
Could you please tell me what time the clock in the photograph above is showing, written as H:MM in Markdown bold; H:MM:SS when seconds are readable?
**7:36**
